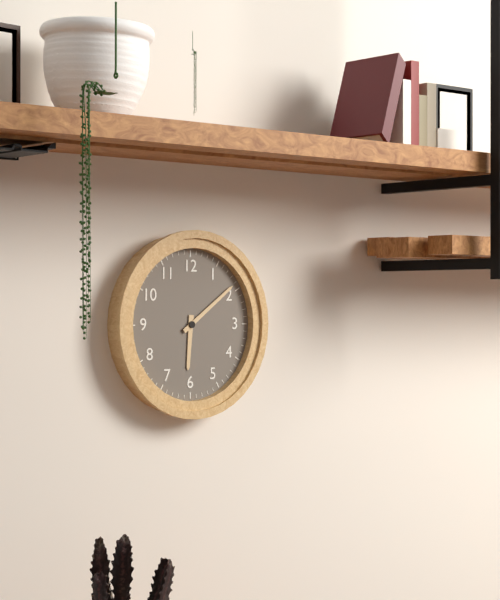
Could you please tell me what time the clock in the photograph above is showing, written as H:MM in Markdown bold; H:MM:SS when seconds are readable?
**6:09**
